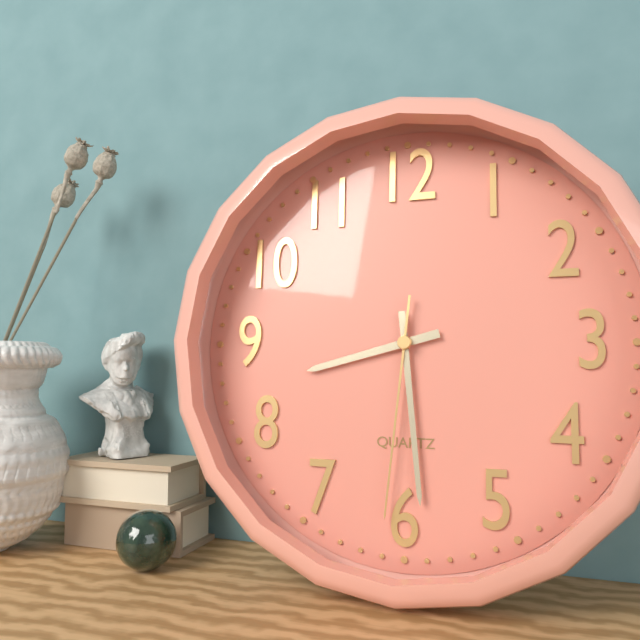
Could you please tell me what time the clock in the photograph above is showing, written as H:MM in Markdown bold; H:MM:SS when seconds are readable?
**8:29:31**
